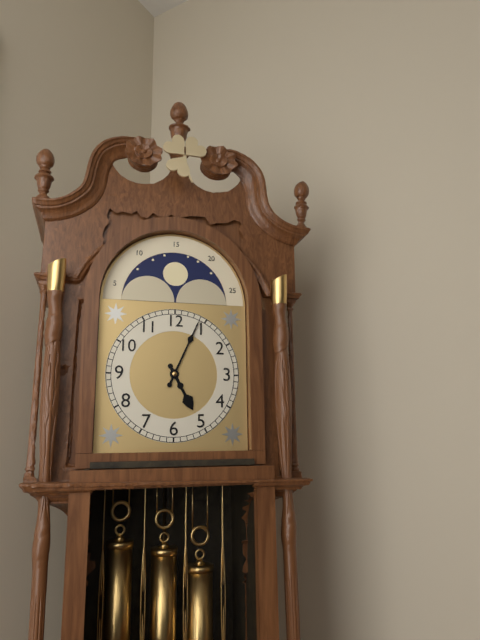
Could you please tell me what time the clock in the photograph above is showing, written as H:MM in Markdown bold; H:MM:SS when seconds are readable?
**5:04**
